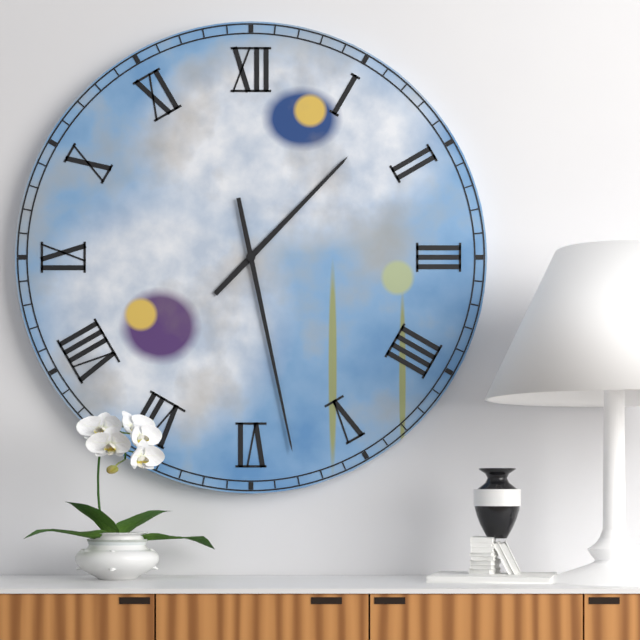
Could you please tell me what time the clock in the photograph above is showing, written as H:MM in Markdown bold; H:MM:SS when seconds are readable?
**1:28**
